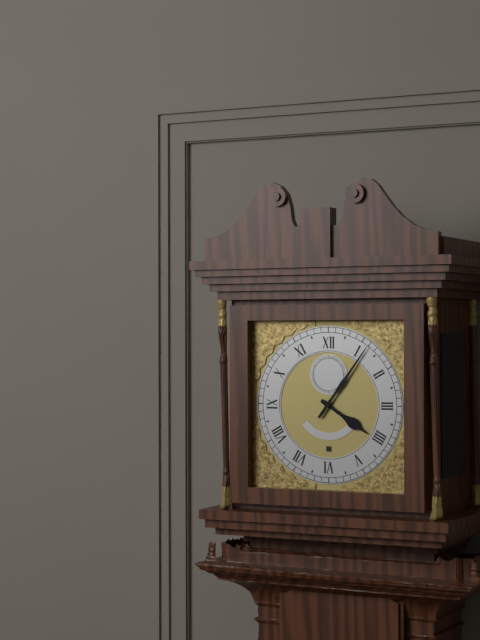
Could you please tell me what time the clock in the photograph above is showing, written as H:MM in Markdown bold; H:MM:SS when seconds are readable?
**4:06**
